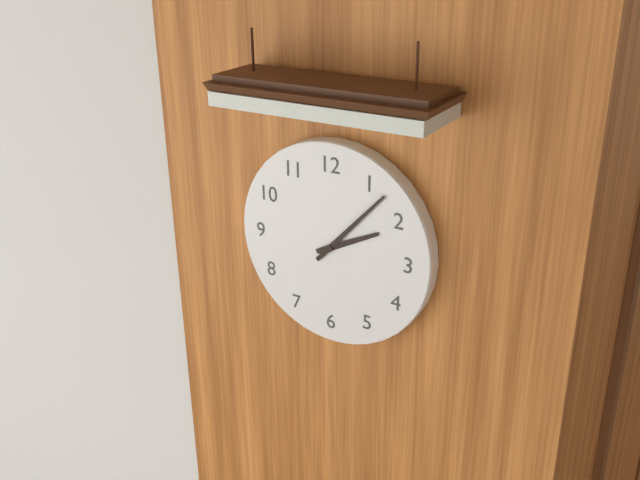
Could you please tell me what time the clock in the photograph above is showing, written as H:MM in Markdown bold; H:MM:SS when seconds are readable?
**2:07**
